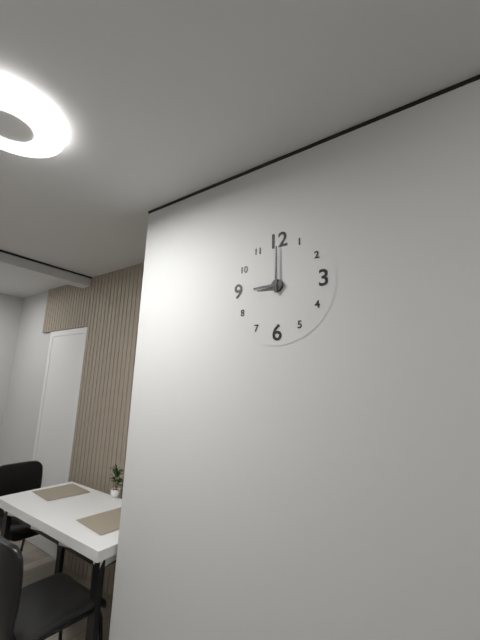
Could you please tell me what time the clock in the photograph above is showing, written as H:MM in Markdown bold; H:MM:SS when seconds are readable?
**9:00**
